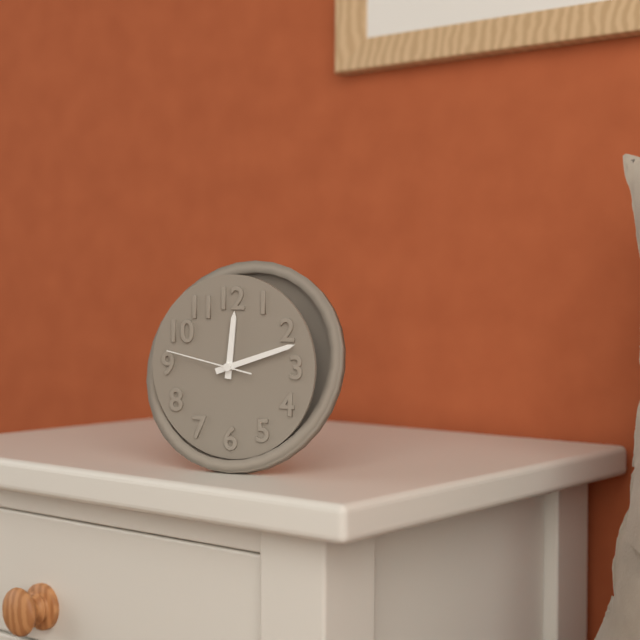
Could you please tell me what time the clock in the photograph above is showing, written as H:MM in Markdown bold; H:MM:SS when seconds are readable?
**12:12:47**
